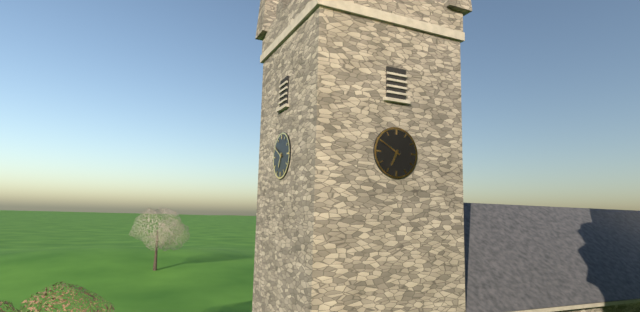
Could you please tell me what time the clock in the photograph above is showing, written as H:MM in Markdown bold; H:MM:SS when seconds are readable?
**6:50**
